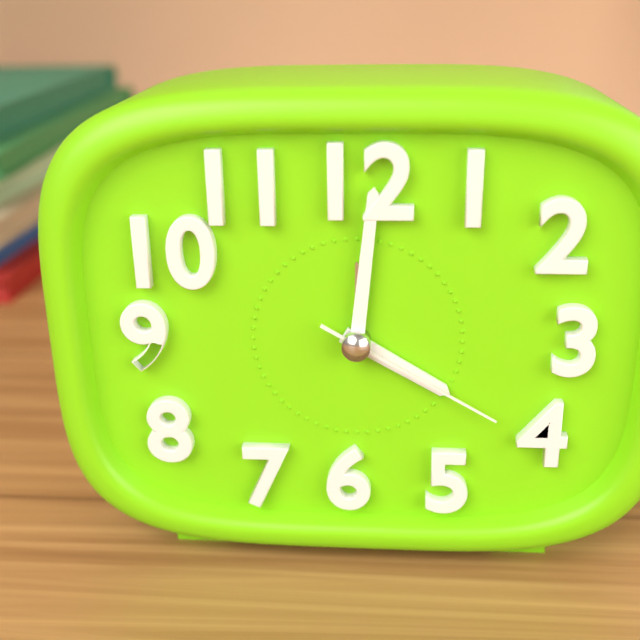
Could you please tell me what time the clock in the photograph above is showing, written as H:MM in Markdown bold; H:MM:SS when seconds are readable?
**4:01:20**
